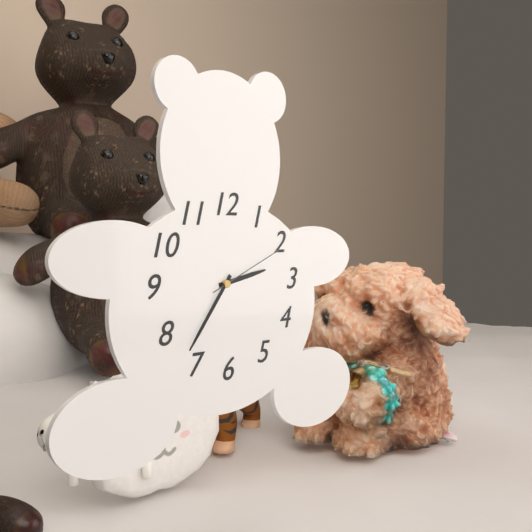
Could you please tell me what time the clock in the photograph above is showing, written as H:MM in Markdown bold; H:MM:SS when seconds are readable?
**2:36:11**
